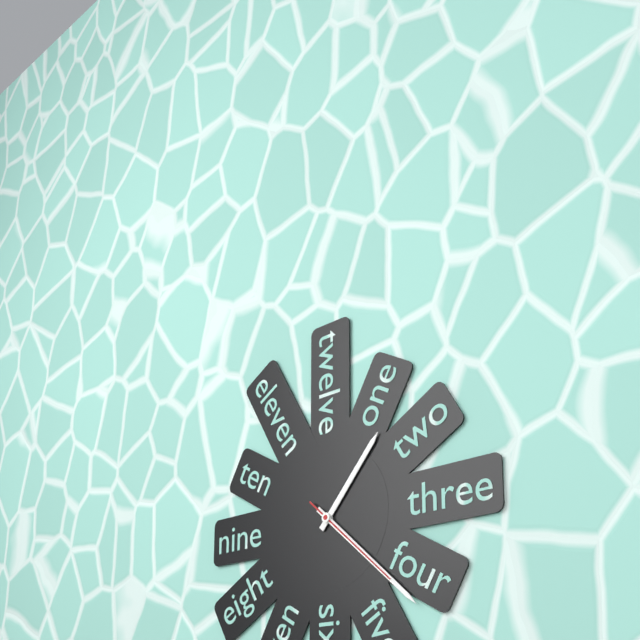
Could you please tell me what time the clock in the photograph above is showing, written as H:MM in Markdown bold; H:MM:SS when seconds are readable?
**1:22:22**
